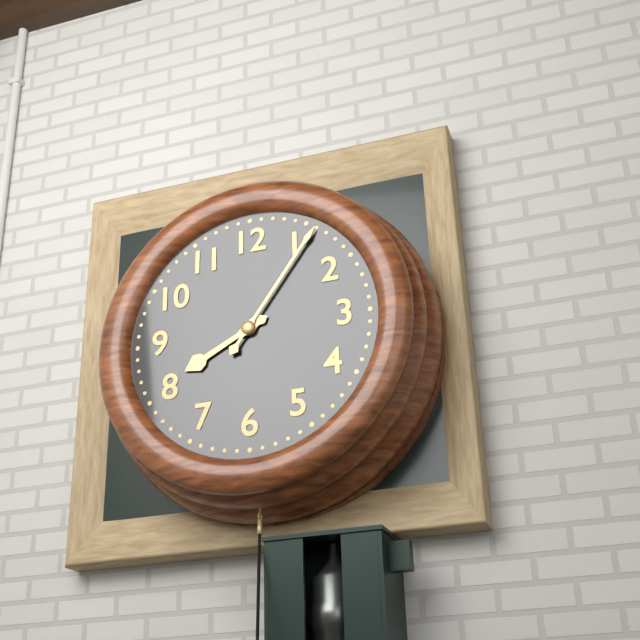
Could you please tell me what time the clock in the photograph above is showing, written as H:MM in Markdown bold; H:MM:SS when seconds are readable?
**8:06**
